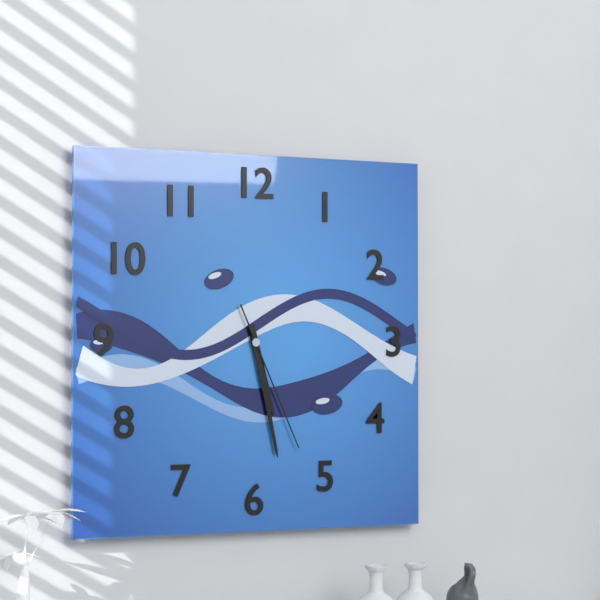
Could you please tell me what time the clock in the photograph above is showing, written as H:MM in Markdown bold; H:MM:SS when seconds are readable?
**5:28:26**
